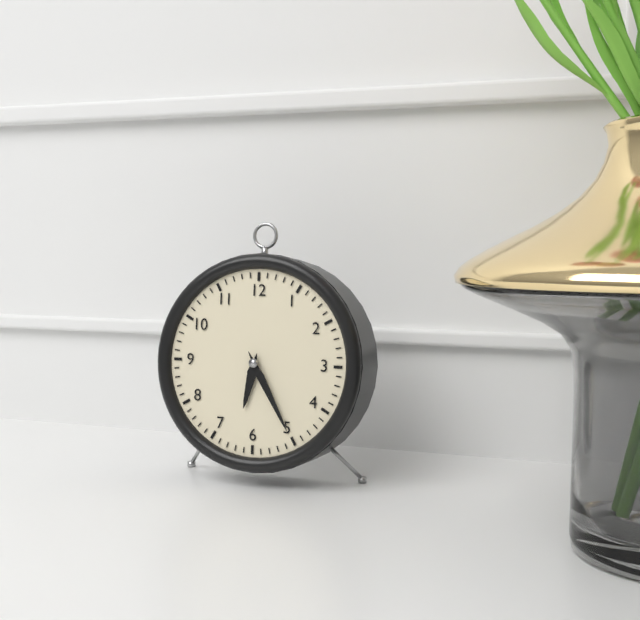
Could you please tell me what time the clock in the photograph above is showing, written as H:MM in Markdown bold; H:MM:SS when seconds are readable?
**6:25**
